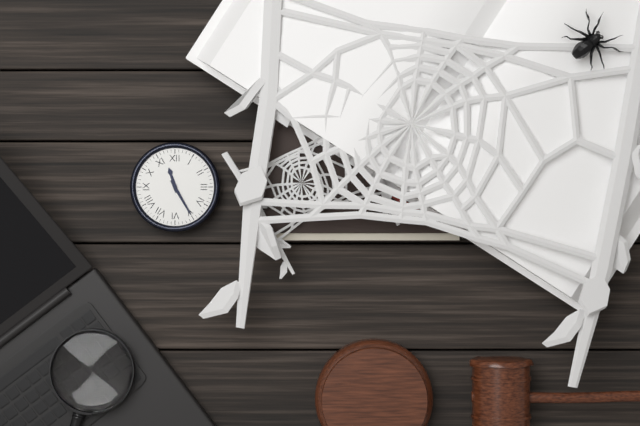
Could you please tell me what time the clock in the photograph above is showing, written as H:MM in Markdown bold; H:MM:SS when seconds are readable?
**11:25**
